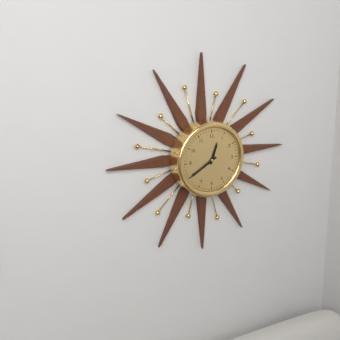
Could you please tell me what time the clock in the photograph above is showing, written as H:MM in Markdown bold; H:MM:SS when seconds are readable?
**12:40**
